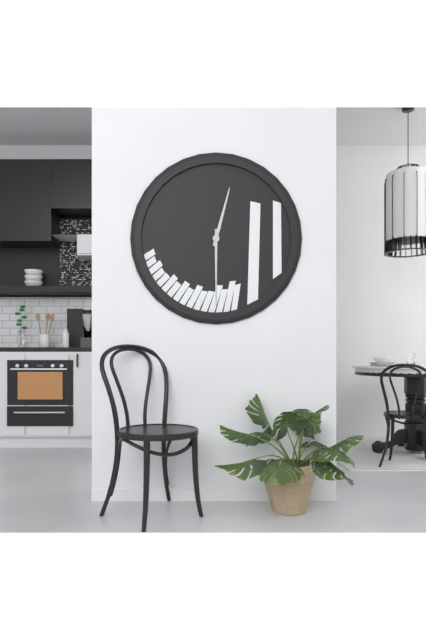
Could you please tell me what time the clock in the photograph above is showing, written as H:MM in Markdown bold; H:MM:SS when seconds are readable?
**12:30**
